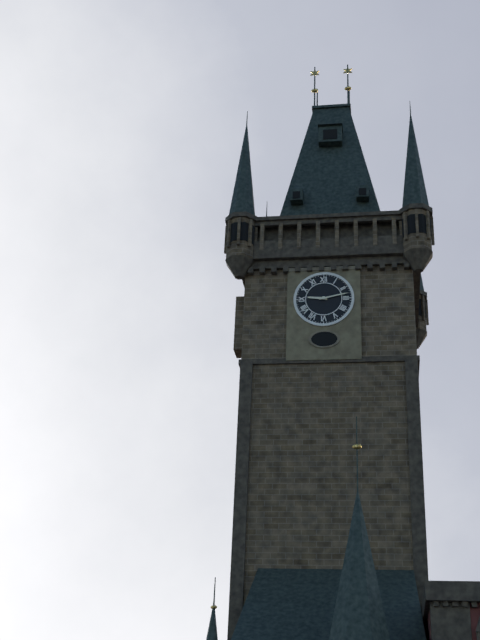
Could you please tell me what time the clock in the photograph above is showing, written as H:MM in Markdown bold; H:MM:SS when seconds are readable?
**9:13**
